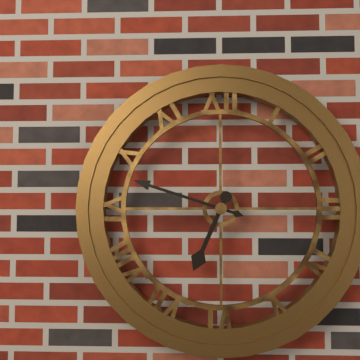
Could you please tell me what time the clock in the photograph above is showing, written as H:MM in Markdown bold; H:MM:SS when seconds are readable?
**6:48**
